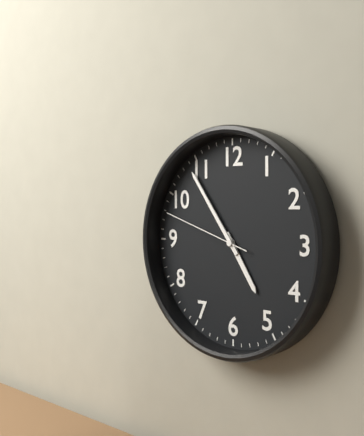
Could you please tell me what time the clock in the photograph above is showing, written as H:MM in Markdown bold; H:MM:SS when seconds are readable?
**4:54:48**
